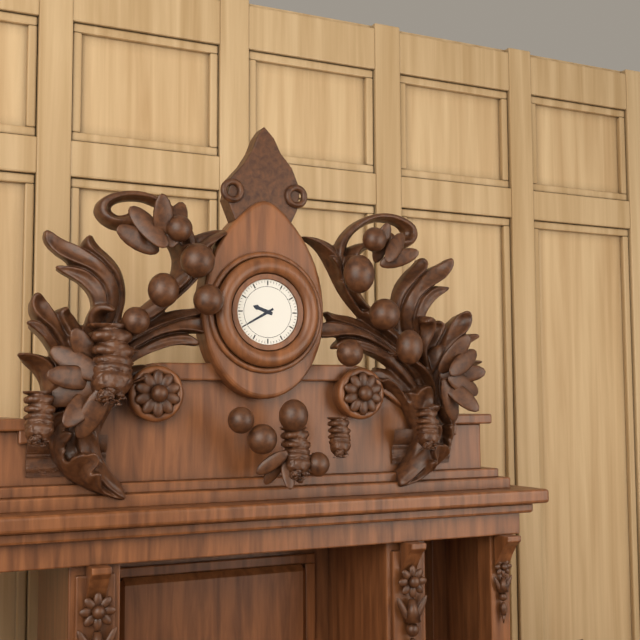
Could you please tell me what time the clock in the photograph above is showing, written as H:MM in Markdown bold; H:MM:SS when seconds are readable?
**9:40**
